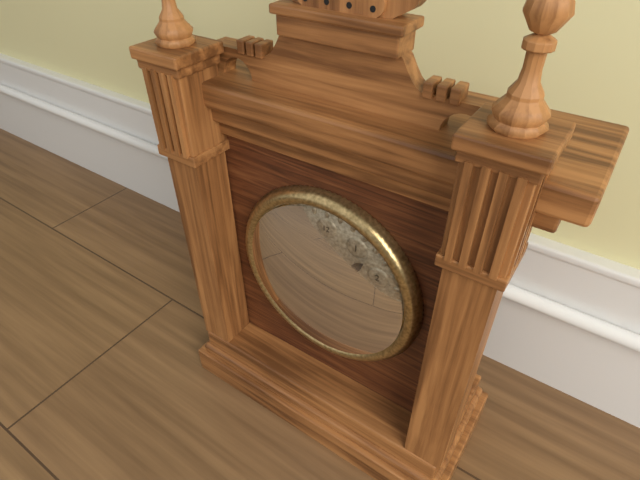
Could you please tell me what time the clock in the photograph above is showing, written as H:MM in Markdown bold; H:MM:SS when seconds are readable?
**11:07**
